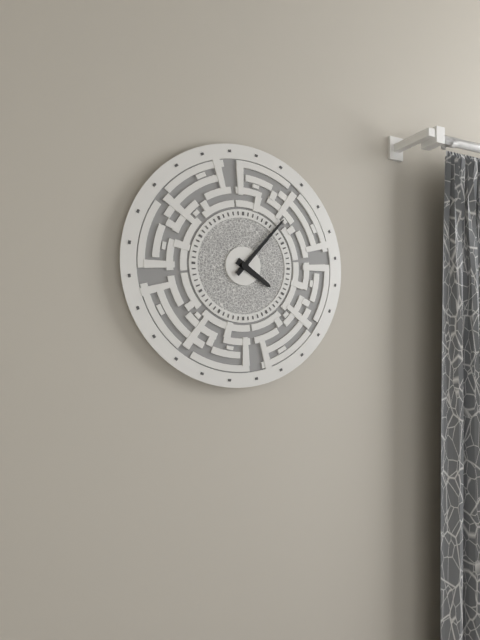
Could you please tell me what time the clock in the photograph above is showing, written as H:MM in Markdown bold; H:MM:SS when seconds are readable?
**4:07**
